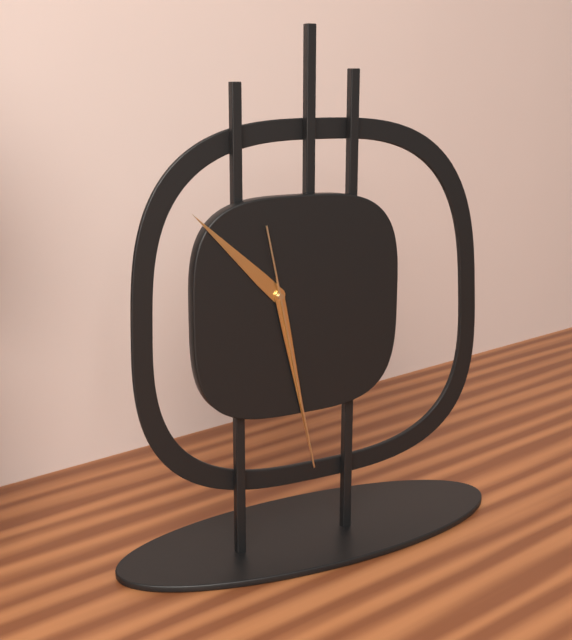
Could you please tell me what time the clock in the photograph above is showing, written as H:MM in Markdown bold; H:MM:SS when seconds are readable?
**10:28:28**
